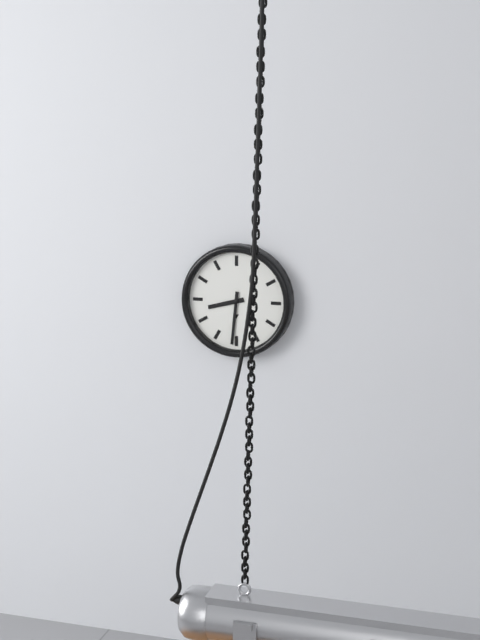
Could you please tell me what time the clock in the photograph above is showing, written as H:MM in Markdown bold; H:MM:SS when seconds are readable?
**8:31**
